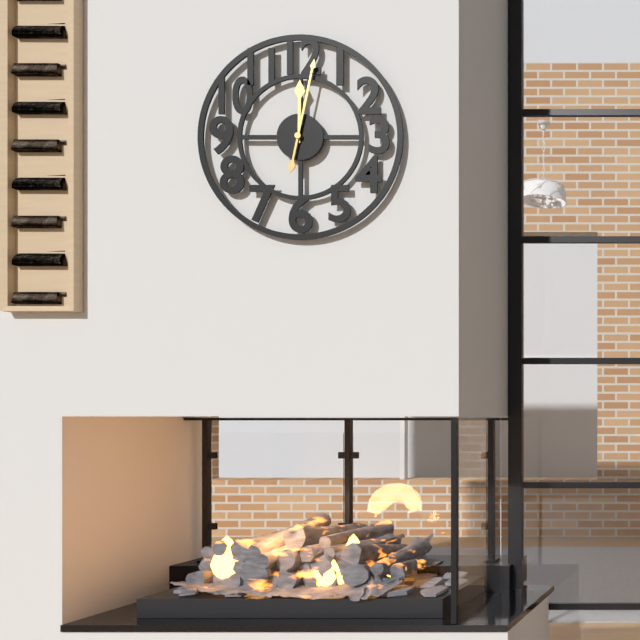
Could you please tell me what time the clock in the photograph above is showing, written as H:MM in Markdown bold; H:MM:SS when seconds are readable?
**12:02**
